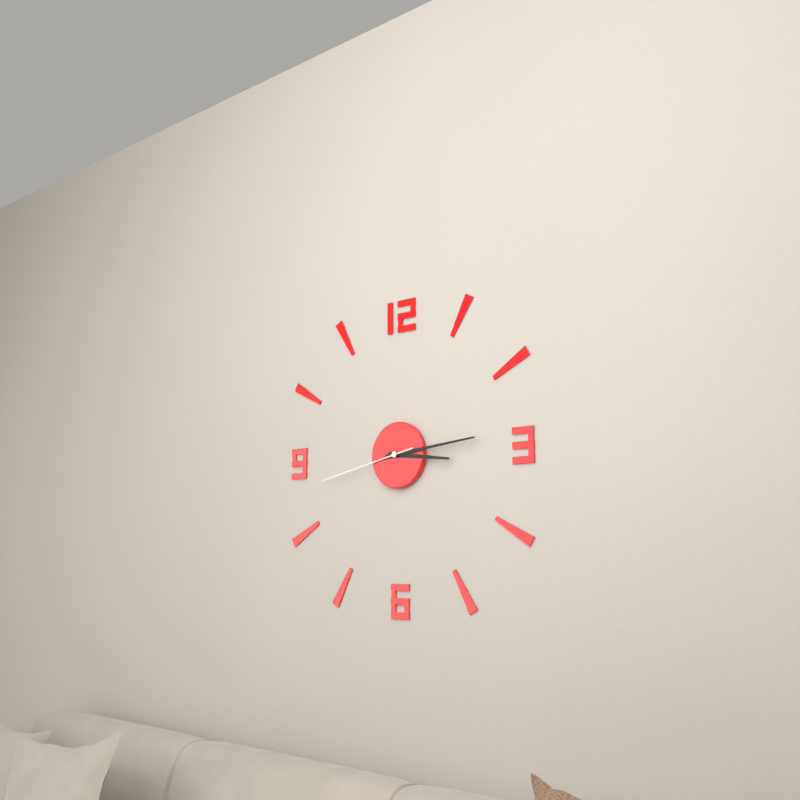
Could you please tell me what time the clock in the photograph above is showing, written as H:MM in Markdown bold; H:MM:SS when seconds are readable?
**3:14:43**
